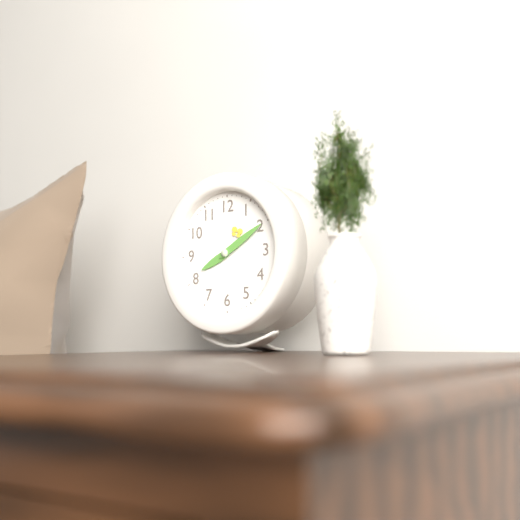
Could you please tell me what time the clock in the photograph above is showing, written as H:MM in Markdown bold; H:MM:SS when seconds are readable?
**8:10**
